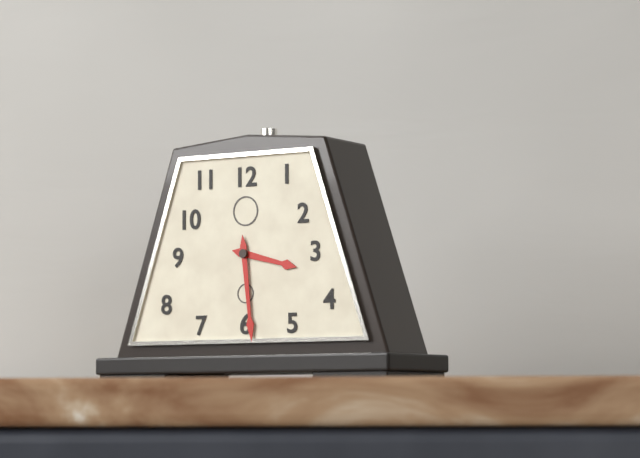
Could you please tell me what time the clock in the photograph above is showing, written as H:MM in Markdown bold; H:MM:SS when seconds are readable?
**3:29**
